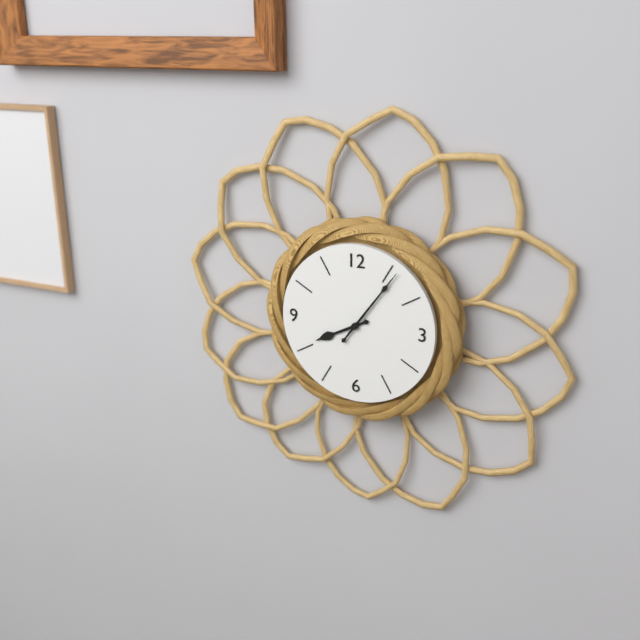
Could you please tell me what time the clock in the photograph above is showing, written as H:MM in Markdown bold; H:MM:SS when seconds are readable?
**8:06**
